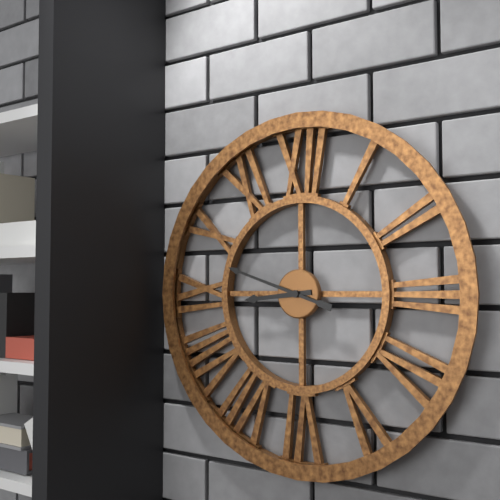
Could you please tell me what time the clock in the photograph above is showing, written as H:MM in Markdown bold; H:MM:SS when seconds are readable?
**8:48**
